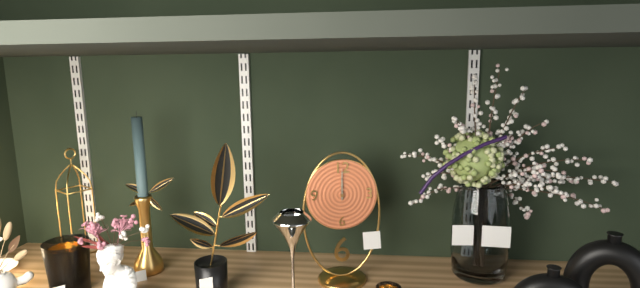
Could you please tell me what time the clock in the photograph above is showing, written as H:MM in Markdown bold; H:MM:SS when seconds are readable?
**12:00**
